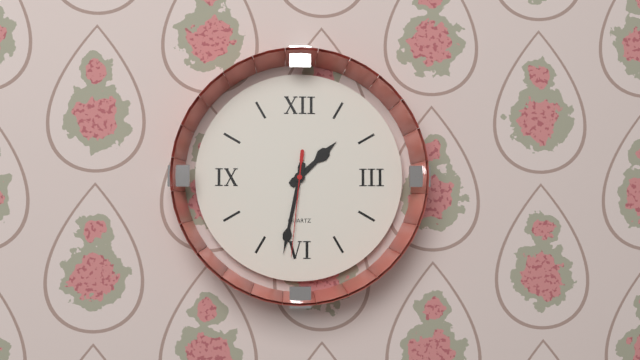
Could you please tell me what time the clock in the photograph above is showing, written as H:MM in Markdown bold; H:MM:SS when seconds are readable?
**1:32:31**
